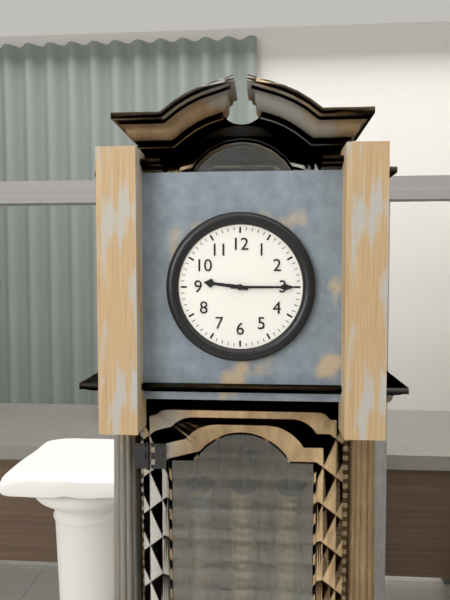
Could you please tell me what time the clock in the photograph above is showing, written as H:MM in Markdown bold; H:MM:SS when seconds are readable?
**9:15**
